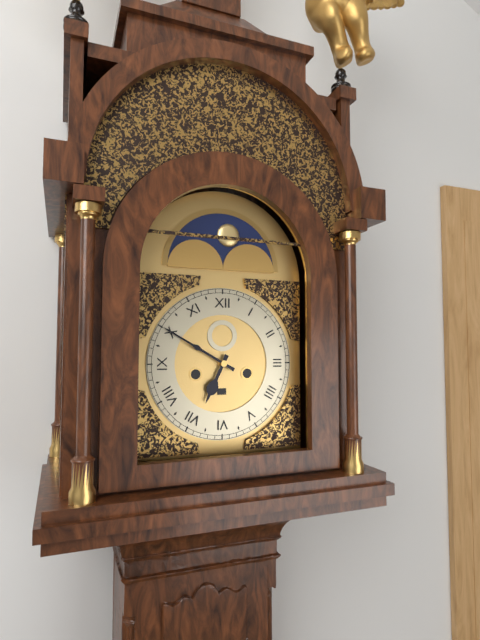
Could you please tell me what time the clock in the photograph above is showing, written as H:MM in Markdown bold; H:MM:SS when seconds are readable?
**6:50**
